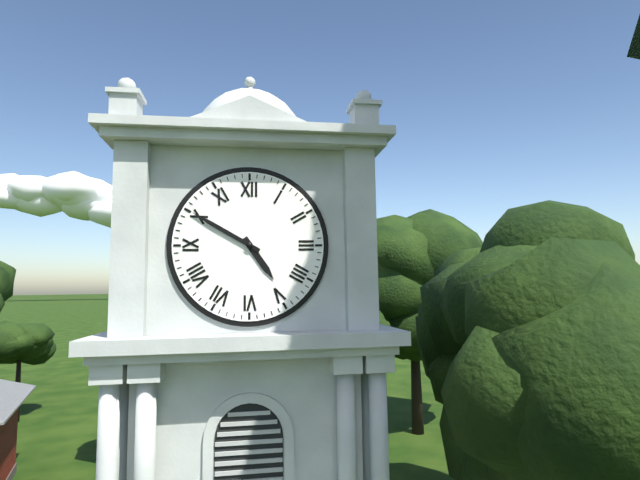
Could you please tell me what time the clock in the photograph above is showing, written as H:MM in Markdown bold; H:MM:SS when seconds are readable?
**4:50**
